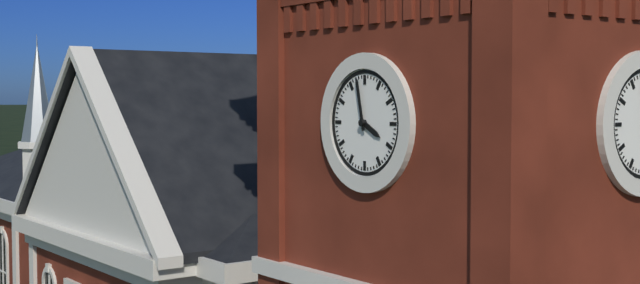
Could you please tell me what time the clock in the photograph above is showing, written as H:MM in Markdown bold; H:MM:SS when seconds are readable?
**3:58**
